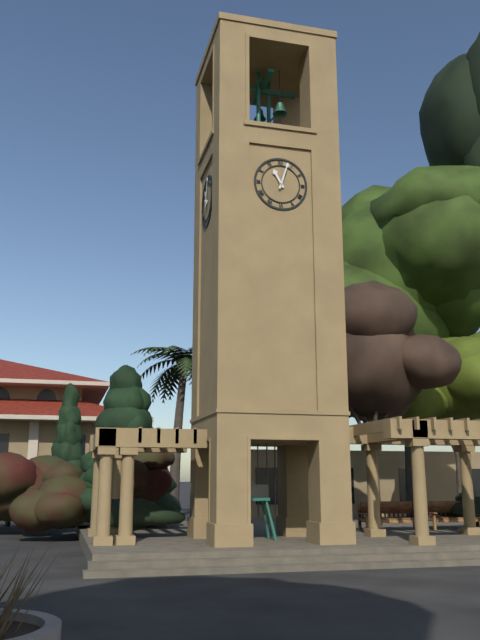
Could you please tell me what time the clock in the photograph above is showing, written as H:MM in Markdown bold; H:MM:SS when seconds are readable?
**11:03**
